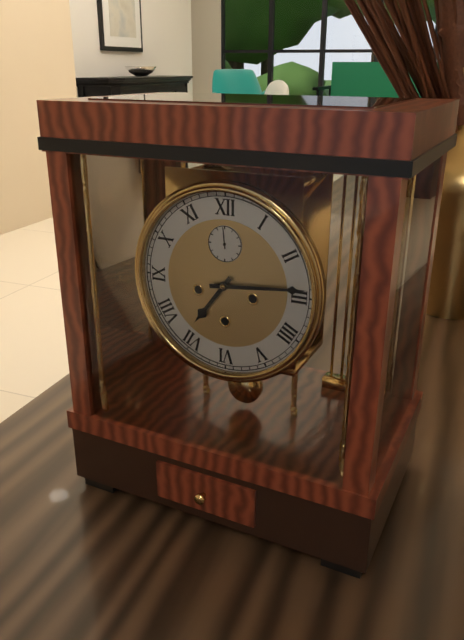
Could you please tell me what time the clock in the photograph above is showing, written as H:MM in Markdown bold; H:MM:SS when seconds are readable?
**7:14**
